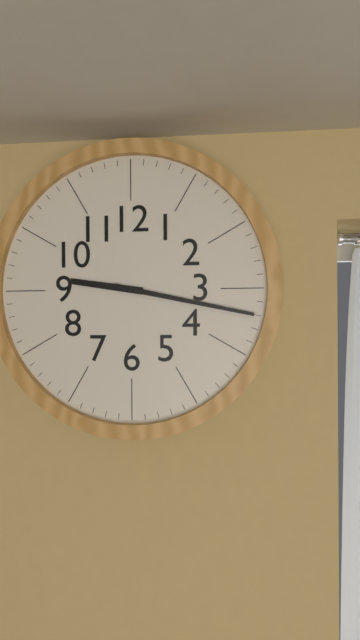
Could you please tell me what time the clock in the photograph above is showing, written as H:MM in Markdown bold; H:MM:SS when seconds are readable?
**9:17**
